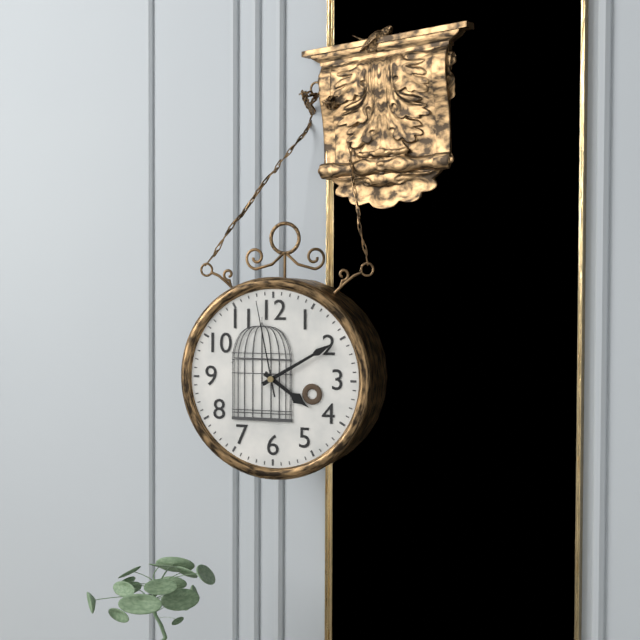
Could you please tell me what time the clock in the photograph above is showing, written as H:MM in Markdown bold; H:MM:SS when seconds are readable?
**4:10:58**
